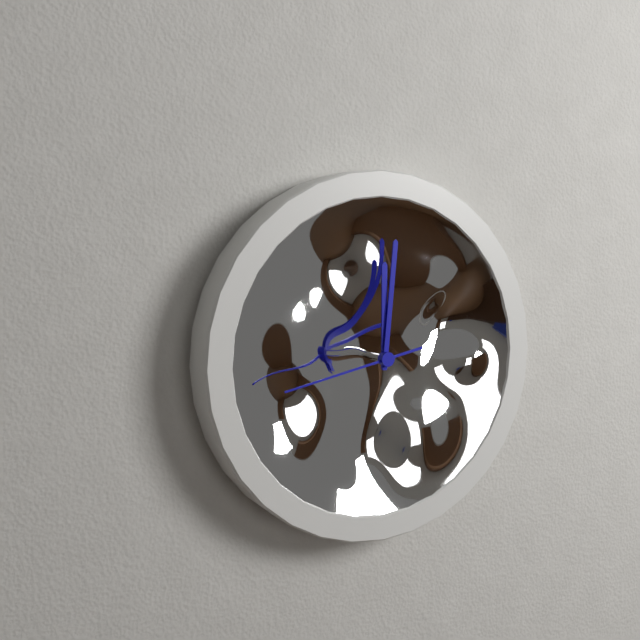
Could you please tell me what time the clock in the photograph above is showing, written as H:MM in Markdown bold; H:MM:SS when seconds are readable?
**12:01:43**
